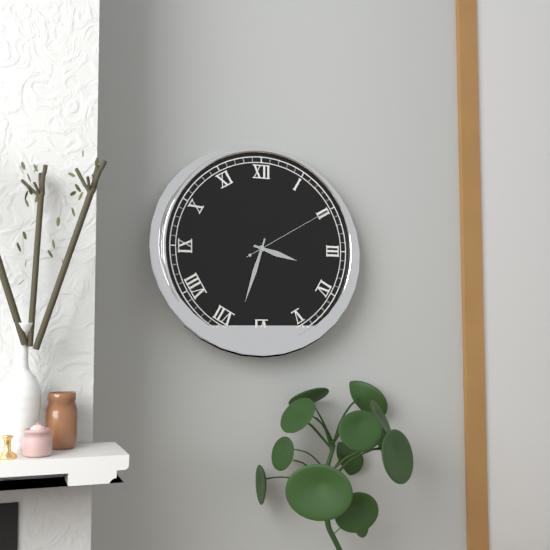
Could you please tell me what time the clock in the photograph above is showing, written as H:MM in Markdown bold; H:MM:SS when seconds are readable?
**3:33:10**
